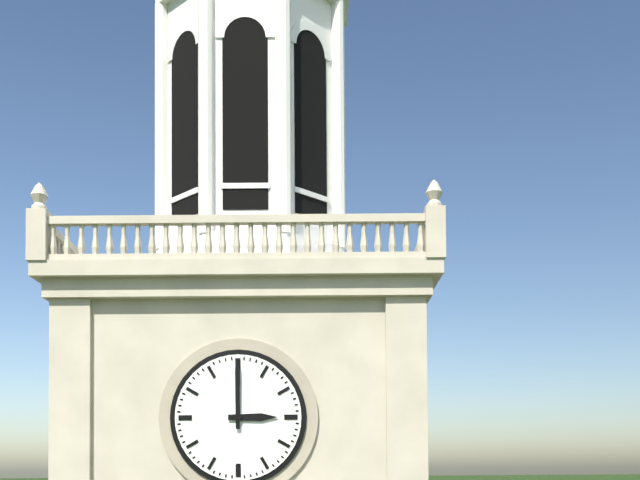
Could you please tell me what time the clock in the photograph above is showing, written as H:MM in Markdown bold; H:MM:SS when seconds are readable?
**3:00**
